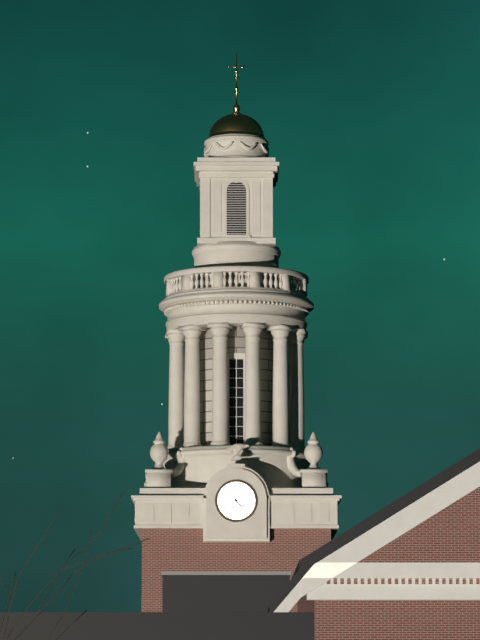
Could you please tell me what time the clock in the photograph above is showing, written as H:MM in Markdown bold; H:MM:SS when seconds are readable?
**4:40**
